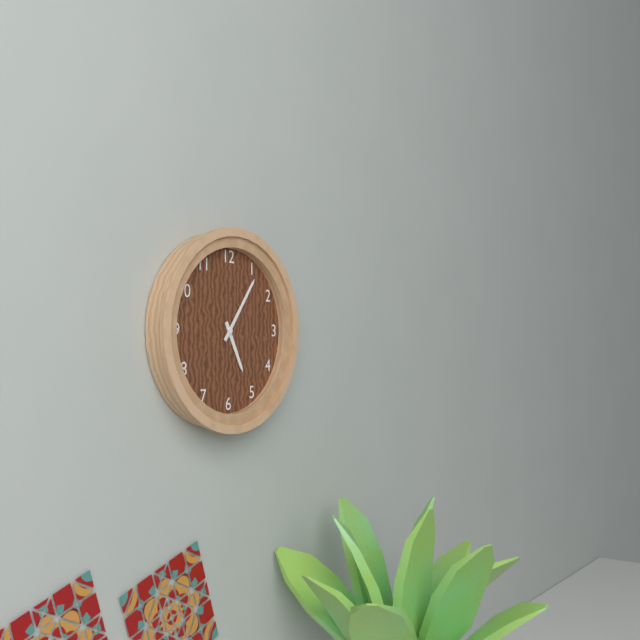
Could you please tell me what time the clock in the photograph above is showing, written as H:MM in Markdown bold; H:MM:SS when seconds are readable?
**5:06**
